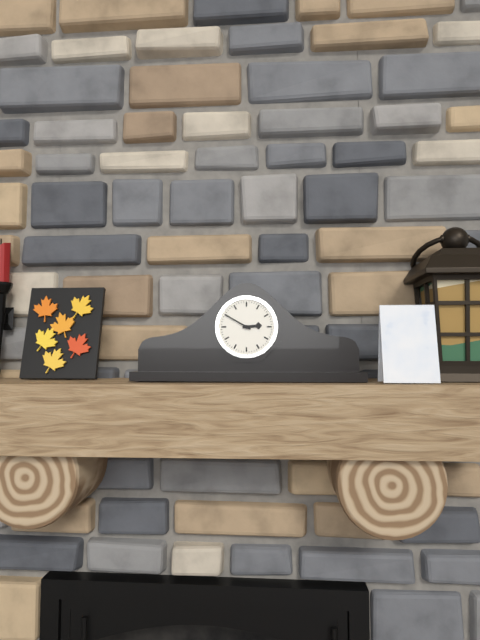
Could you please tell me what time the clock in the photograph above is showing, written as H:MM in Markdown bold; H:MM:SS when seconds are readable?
**2:50**
